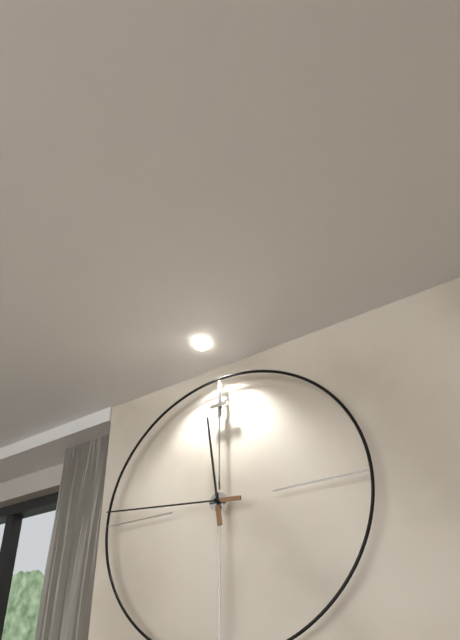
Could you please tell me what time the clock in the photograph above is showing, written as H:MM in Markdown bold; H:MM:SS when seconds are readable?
**11:46**
